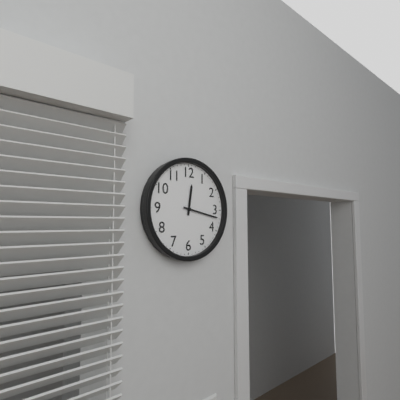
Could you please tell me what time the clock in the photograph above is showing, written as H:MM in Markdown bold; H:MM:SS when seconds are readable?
**12:17**
